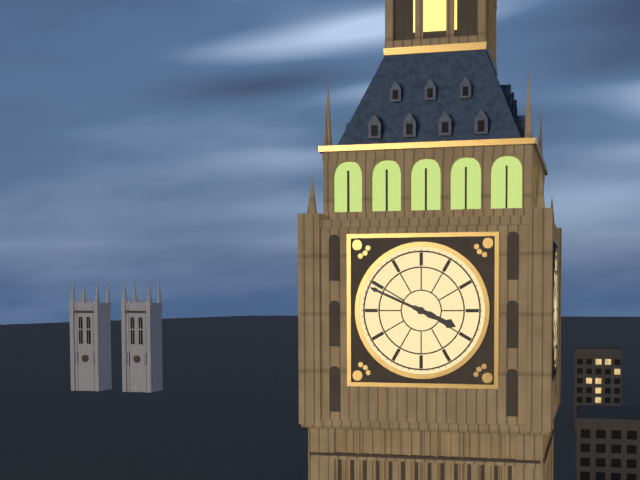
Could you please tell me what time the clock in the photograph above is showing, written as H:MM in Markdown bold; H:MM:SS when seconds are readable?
**3:49**
